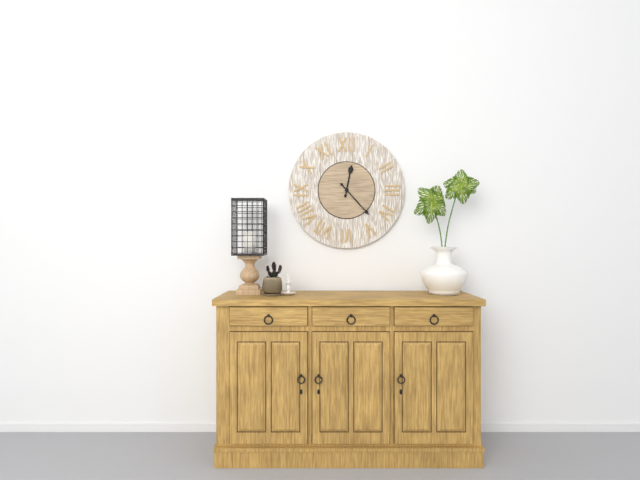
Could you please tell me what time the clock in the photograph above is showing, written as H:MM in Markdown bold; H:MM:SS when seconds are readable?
**12:23**
